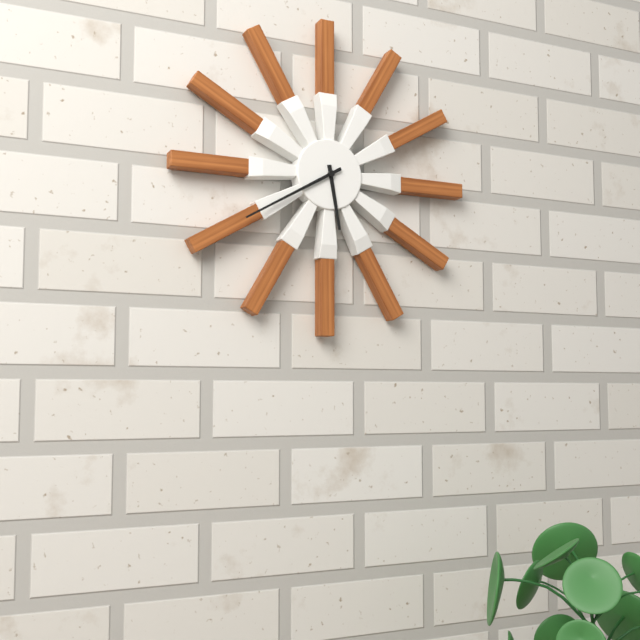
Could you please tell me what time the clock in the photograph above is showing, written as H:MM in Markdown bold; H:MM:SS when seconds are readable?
**5:40**
